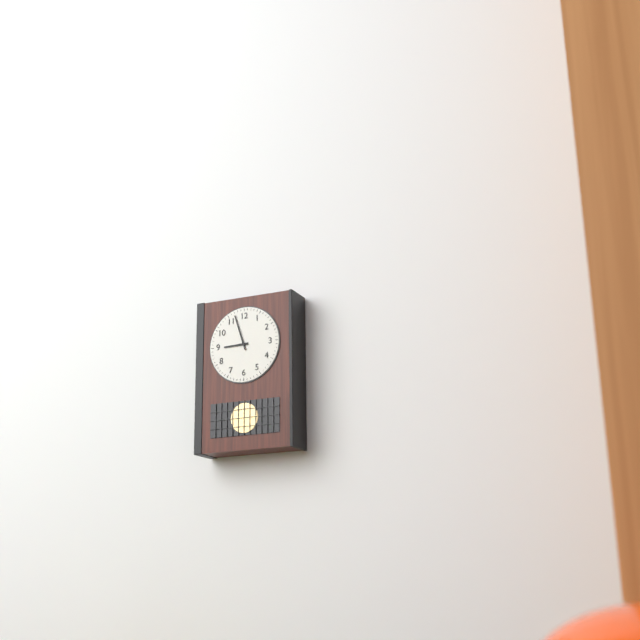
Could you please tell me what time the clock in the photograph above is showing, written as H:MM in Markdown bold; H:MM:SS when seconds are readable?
**8:57**
